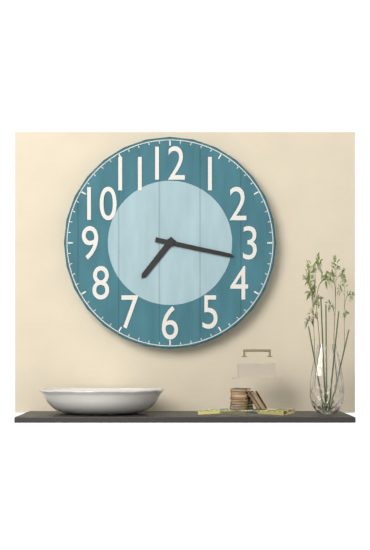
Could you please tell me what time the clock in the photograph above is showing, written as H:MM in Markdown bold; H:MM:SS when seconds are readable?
**7:17**
